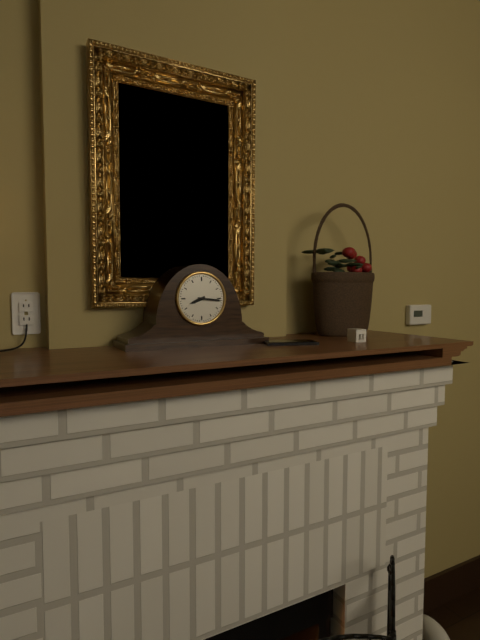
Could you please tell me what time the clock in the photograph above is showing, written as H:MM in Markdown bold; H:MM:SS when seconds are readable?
**8:16**
